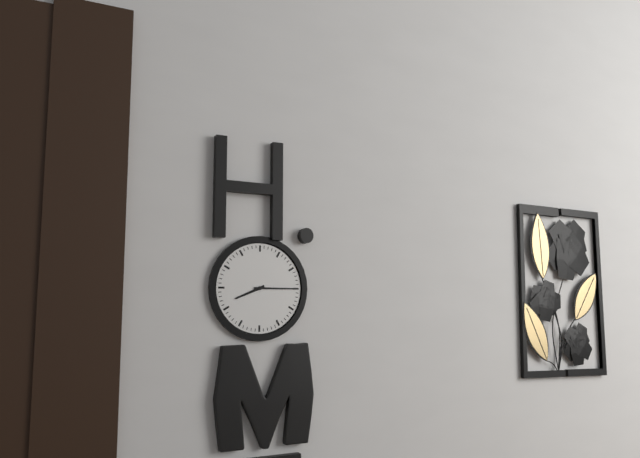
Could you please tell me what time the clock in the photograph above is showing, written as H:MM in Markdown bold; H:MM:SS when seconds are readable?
**8:15**
